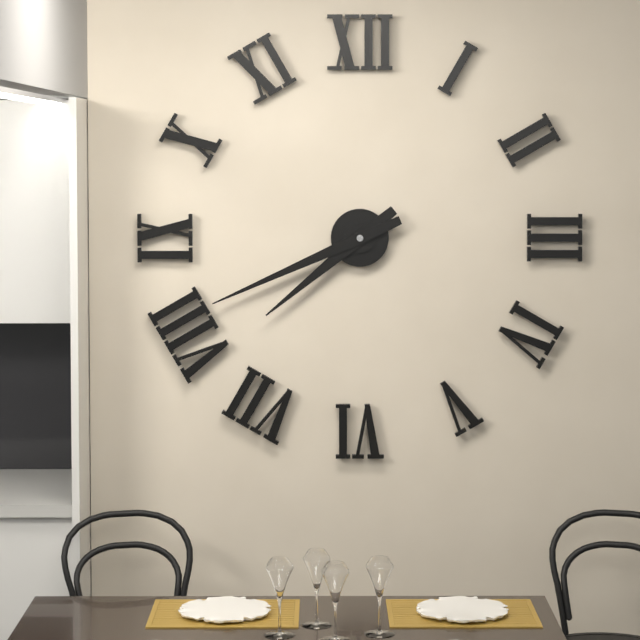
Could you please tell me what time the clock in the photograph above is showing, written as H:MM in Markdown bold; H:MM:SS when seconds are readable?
**7:41**
